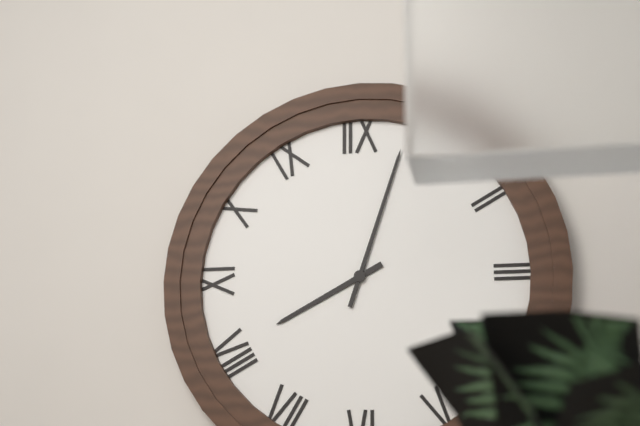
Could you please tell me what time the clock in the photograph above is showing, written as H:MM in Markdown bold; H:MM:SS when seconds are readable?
**8:03**
